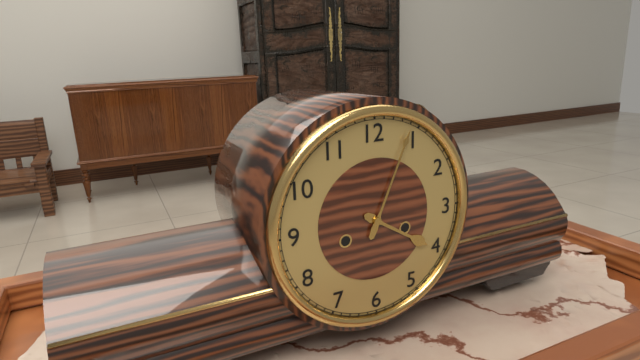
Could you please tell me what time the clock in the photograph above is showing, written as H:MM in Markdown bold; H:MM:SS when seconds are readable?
**4:04**
